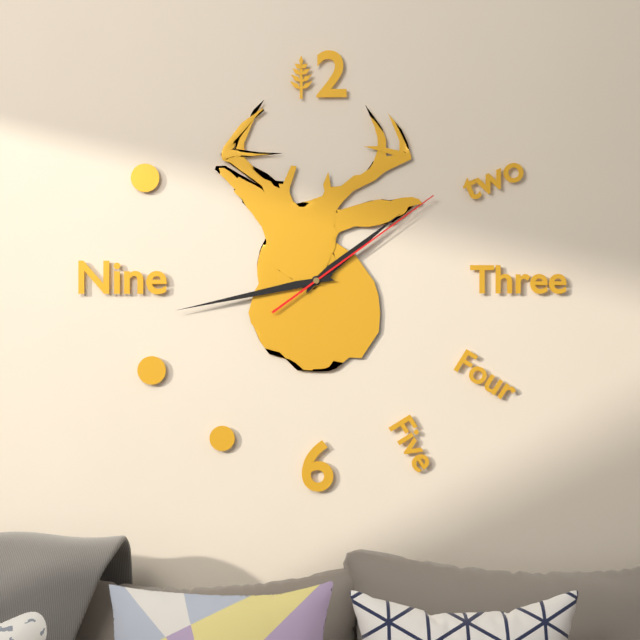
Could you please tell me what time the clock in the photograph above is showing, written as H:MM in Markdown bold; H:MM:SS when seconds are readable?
**1:43:09**
